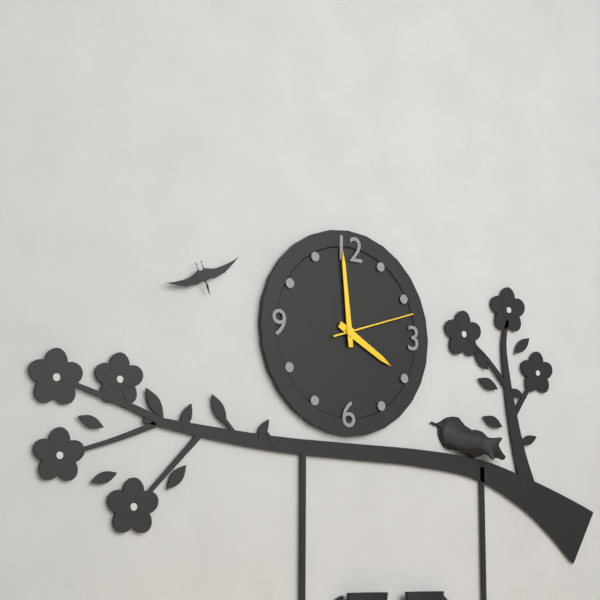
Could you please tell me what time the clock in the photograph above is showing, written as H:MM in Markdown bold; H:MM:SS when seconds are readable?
**3:59:12**
